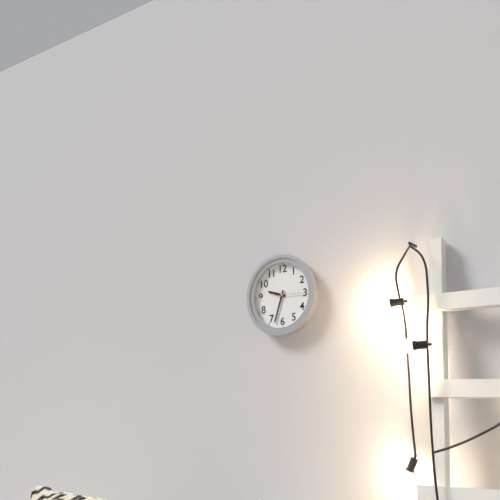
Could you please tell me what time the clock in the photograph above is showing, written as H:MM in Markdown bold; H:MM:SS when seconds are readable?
**9:33**
